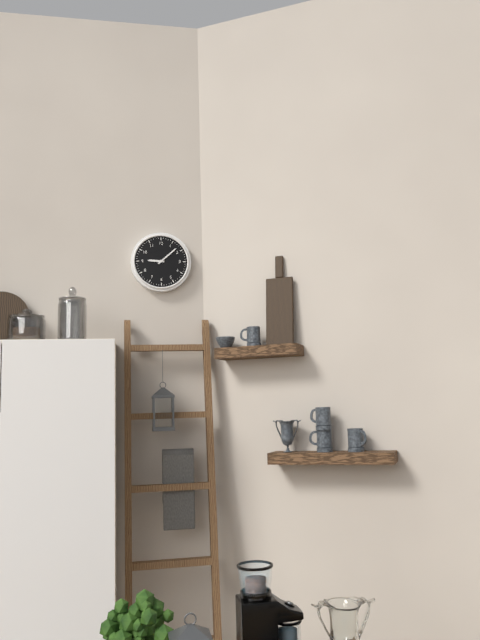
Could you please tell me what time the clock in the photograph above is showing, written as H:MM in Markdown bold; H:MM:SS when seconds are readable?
**9:08**
